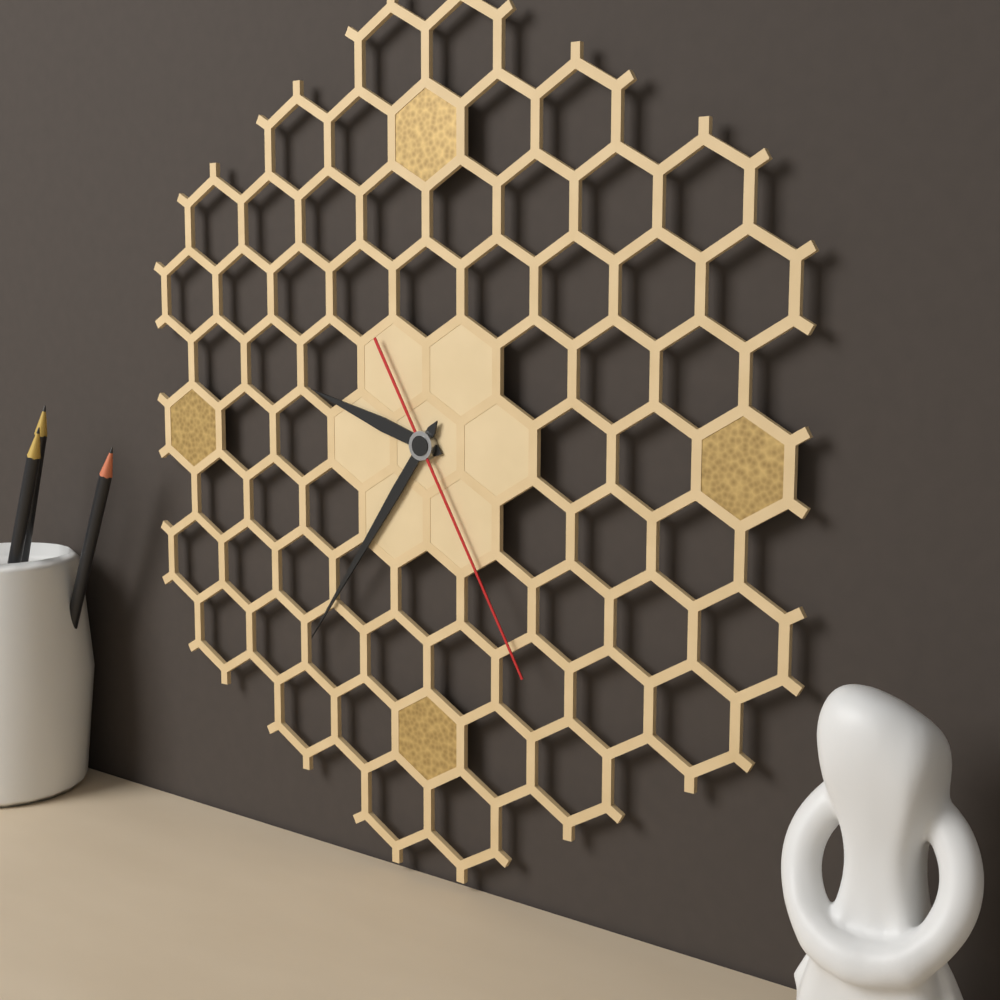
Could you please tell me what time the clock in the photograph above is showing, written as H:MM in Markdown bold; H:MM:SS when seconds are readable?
**9:36:25**
